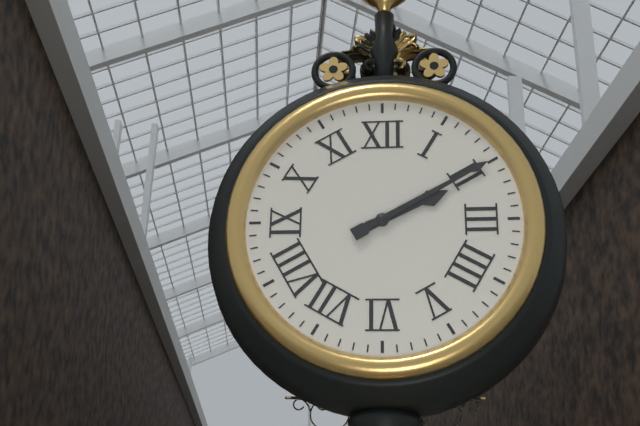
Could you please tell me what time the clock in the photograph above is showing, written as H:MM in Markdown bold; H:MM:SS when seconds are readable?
**2:10**
